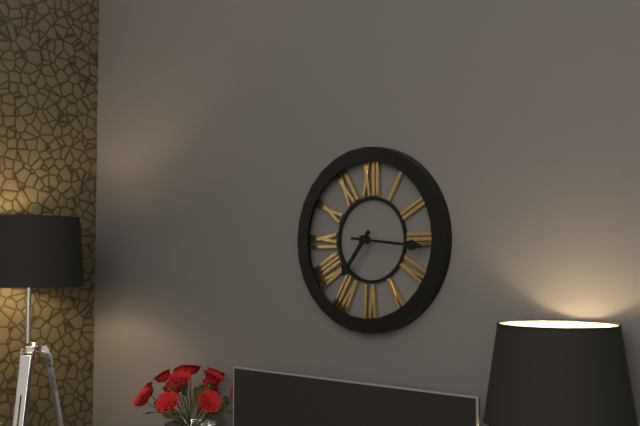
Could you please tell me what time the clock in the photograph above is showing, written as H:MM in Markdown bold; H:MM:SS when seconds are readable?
**7:16**
